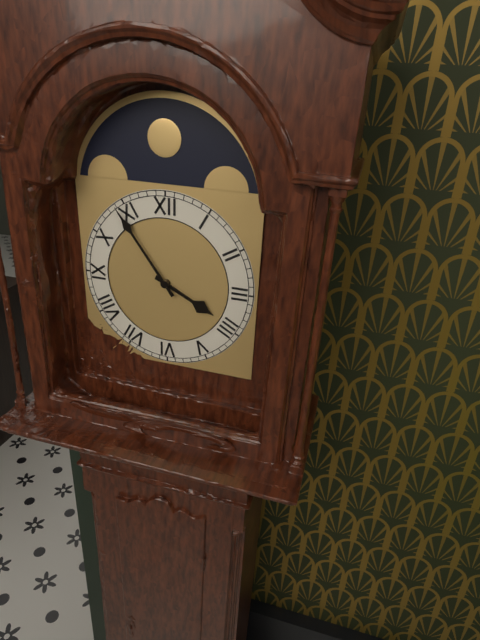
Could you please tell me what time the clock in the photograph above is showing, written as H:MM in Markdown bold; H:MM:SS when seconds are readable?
**3:54**
